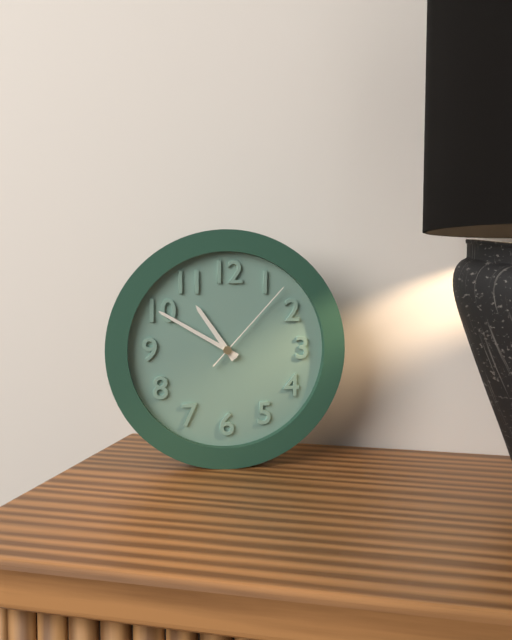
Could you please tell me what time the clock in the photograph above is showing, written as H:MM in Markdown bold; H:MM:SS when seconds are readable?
**10:50:07**
